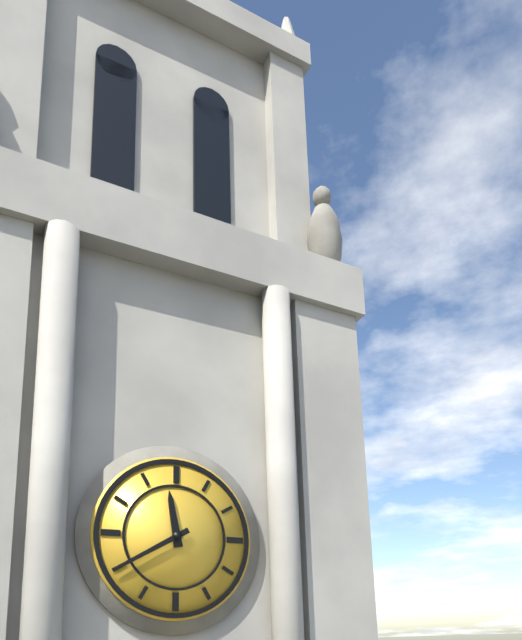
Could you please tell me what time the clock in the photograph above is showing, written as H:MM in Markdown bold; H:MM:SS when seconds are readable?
**11:40**
